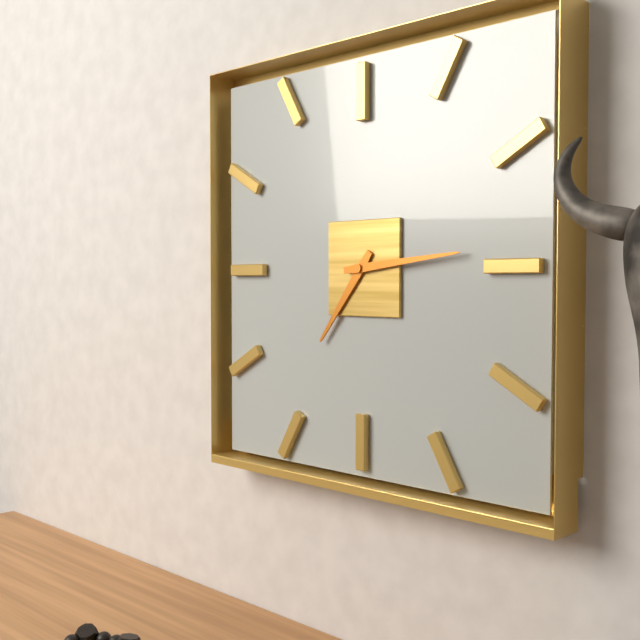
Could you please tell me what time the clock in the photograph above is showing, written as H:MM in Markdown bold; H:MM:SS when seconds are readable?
**7:14**
